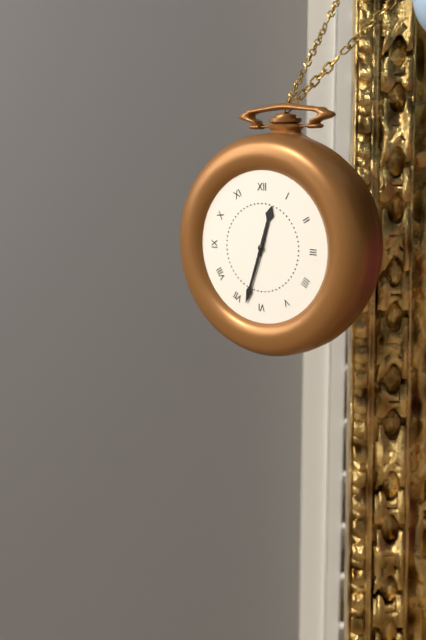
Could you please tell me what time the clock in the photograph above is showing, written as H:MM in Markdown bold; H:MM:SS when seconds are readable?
**12:33**
